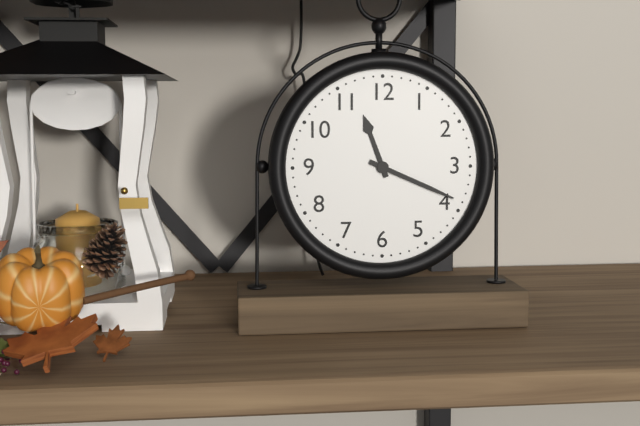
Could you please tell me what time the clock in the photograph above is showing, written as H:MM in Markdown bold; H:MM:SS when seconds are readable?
**11:19**
